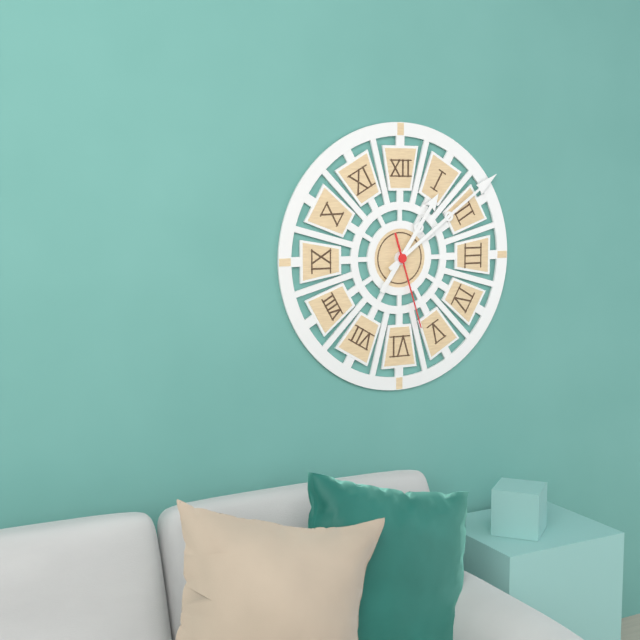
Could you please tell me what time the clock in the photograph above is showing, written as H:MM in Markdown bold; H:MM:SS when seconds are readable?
**1:09:27**
